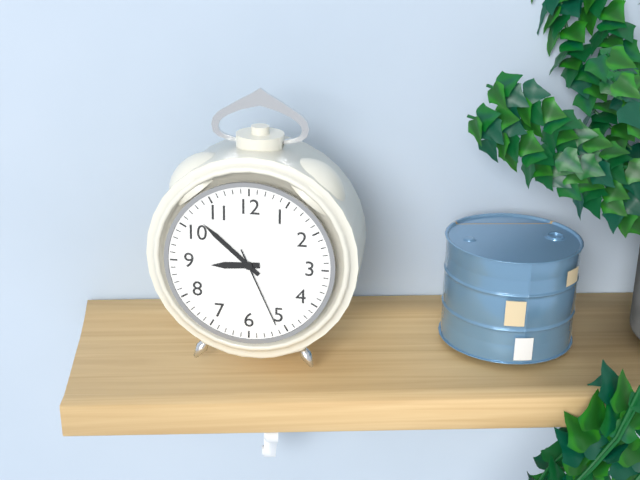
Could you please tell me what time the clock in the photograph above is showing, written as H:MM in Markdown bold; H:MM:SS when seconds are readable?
**8:52:26**
